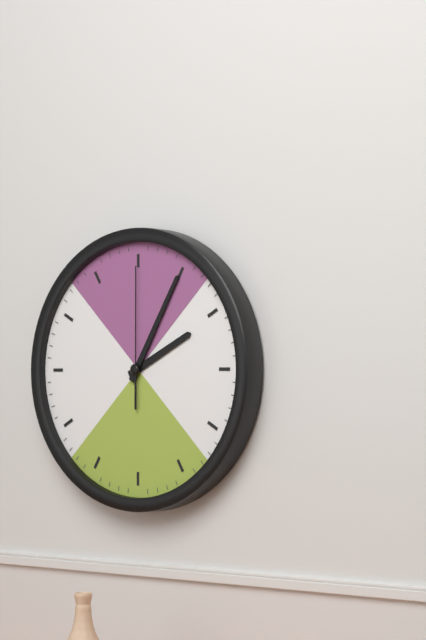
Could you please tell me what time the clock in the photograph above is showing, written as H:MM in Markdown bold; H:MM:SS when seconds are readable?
**2:05:00**
